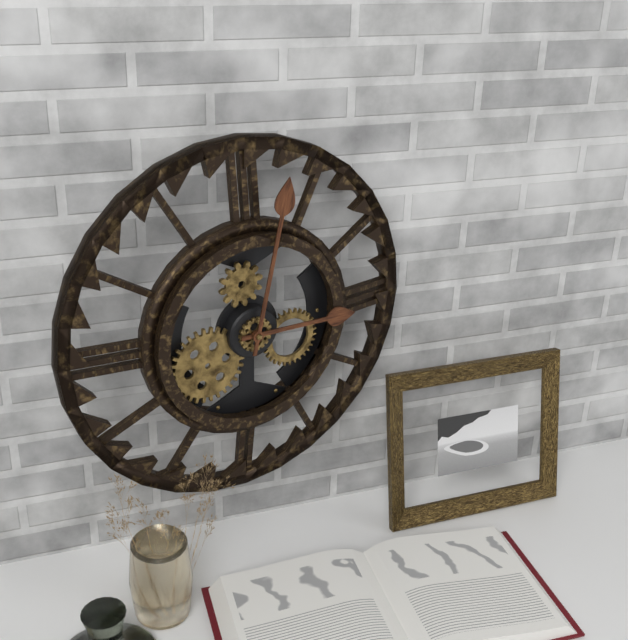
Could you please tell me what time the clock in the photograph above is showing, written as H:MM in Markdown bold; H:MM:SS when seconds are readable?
**3:02**
